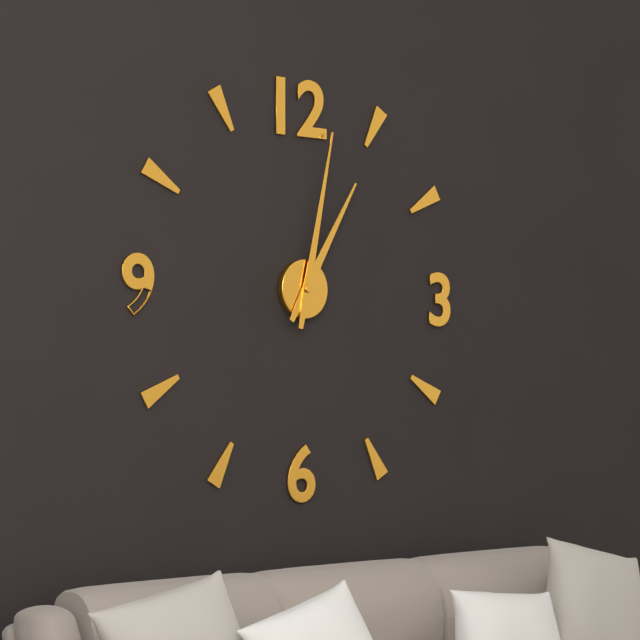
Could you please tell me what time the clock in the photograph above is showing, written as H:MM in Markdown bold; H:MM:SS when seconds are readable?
**1:02**
